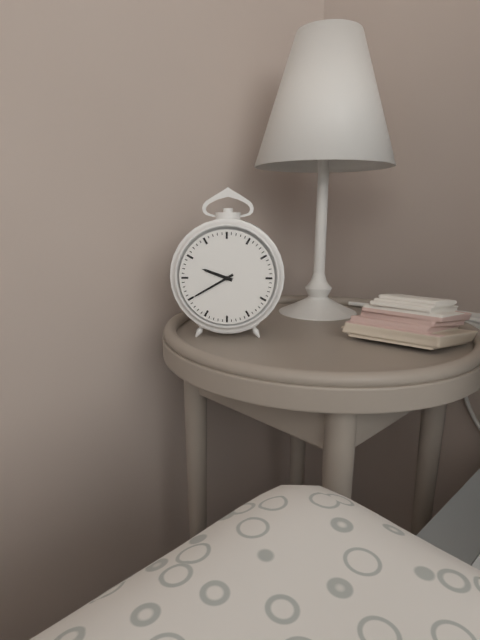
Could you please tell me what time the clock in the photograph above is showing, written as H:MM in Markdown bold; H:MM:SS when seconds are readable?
**9:40**
